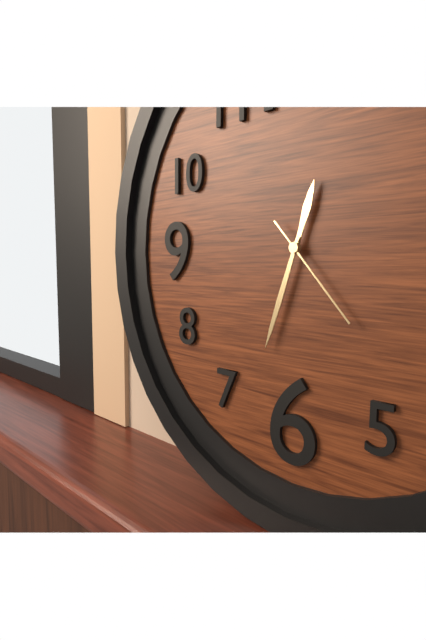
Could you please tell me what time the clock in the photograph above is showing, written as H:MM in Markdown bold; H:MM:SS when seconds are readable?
**12:33:23**
